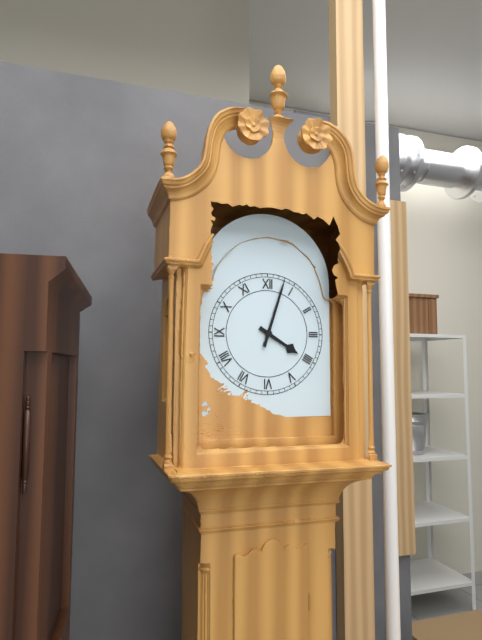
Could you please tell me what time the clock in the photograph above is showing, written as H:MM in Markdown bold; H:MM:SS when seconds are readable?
**4:03**
